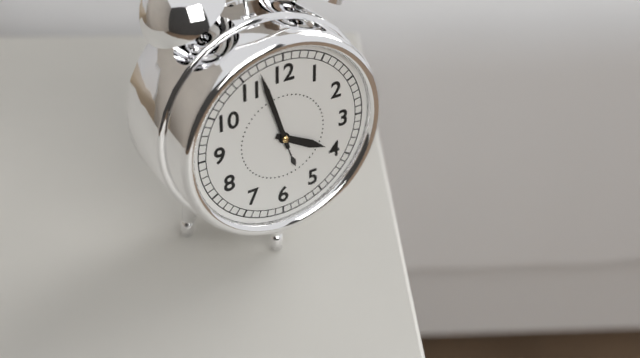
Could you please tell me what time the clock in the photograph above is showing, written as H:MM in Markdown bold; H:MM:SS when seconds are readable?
**3:57**
